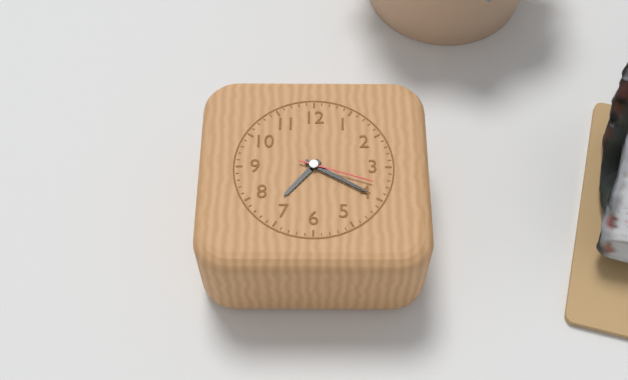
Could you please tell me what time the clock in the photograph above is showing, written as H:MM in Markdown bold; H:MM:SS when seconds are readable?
**7:20:18**
